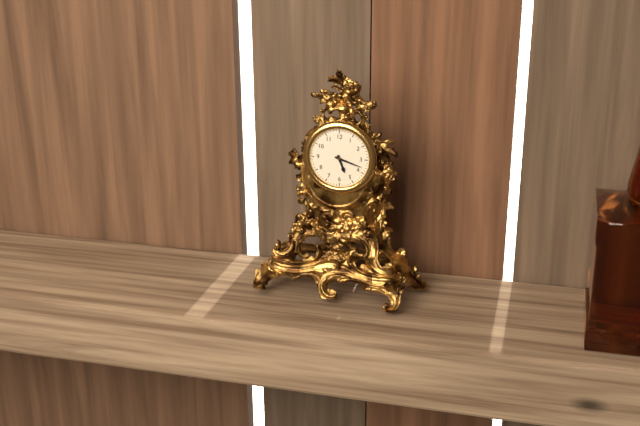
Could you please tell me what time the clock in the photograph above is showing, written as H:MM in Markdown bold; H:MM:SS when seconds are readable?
**5:18**
